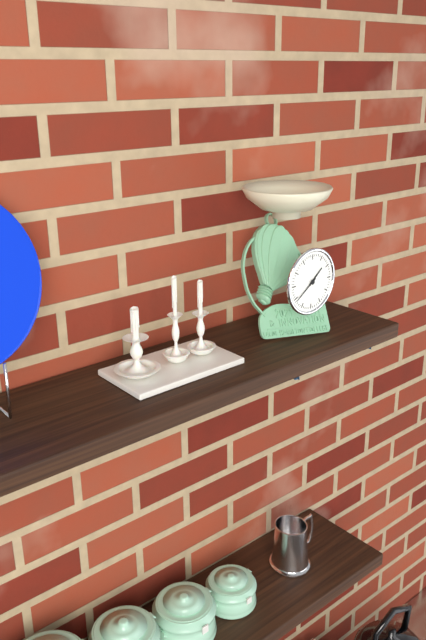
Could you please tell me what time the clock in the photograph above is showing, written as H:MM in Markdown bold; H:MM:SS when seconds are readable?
**1:39**
